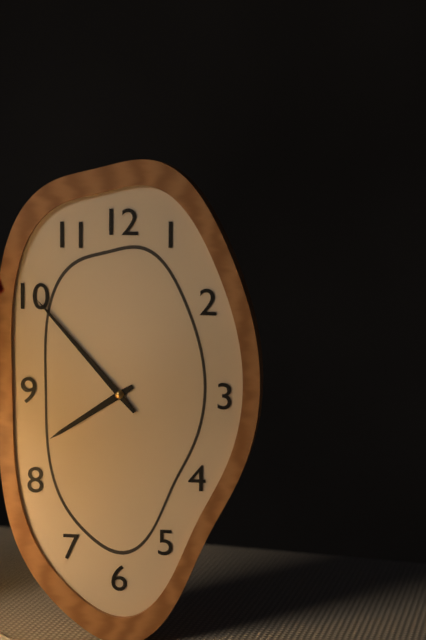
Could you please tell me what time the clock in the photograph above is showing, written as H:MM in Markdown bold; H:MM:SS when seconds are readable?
**7:53**
